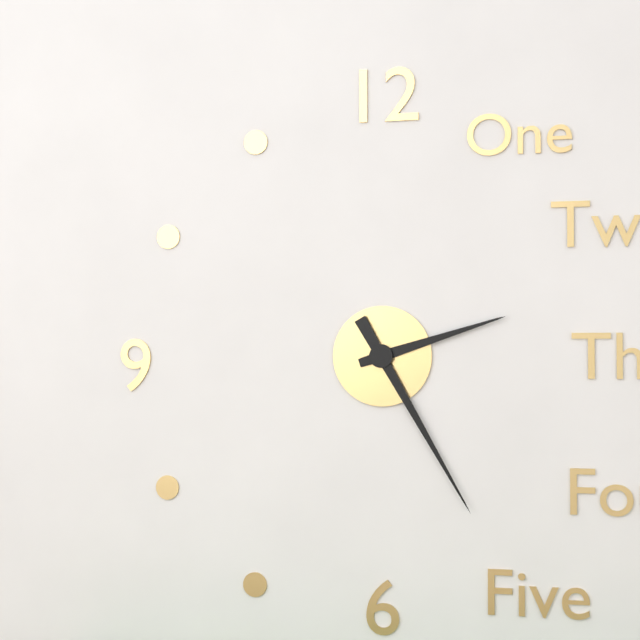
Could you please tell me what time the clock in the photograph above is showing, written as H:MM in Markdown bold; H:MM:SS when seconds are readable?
**2:25**
